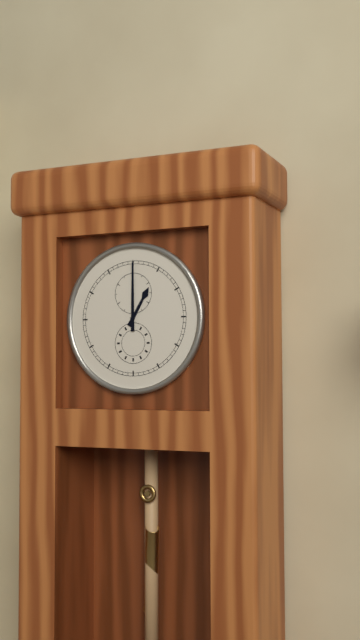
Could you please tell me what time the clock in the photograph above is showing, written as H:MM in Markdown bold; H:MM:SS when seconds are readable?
**1:00**
